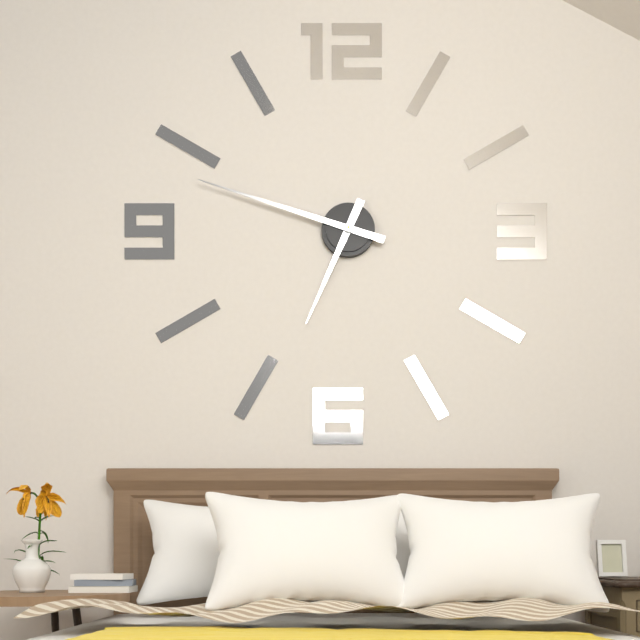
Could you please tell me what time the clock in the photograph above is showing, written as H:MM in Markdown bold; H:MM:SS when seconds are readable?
**6:48**
